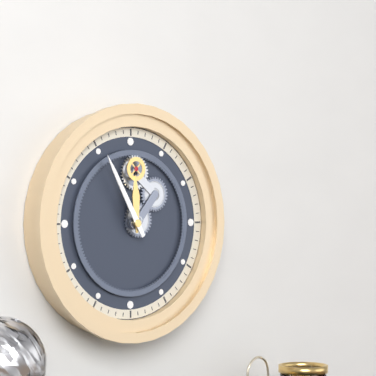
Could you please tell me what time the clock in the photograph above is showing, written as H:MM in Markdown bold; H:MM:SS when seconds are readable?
**11:55**
